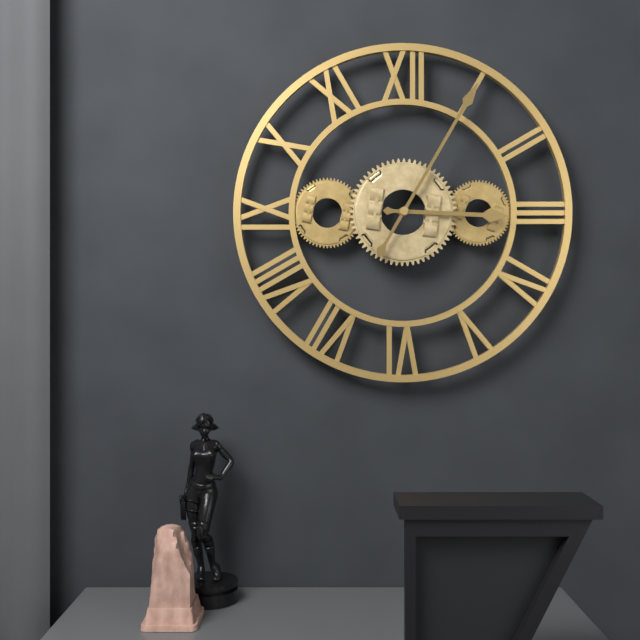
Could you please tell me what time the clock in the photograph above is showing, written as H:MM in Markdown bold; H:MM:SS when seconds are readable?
**3:05**
